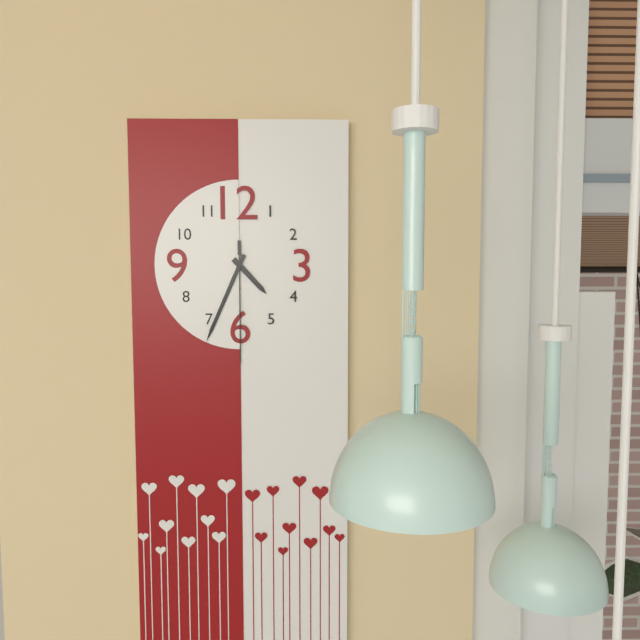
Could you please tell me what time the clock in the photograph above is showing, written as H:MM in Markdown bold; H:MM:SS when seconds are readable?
**4:34:30**
